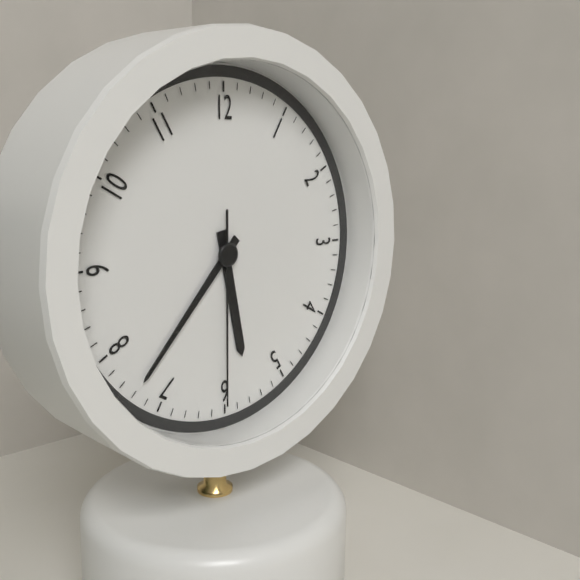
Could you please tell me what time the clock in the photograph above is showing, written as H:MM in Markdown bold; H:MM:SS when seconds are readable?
**5:37:30**
